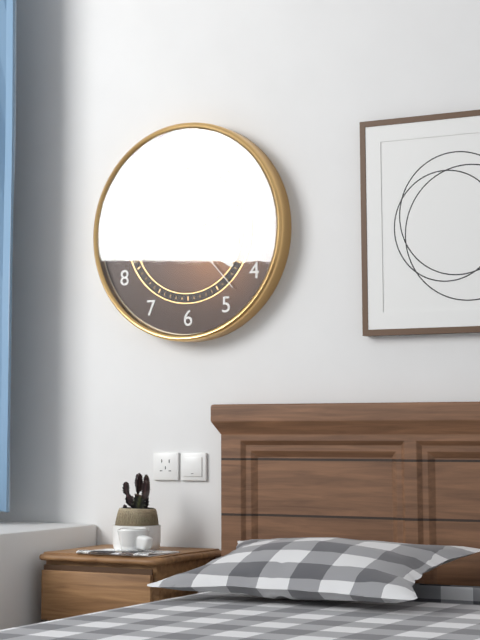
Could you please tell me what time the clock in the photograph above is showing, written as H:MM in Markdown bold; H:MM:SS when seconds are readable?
**4:11:23**
